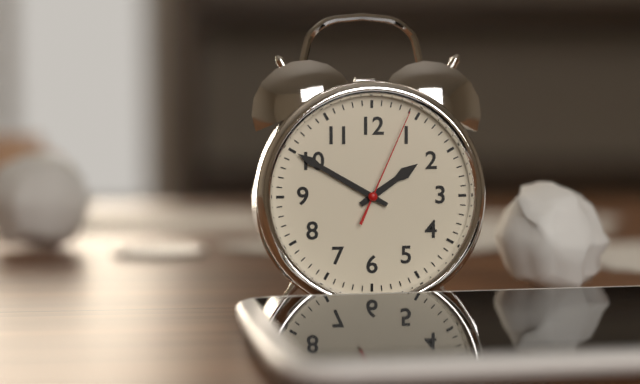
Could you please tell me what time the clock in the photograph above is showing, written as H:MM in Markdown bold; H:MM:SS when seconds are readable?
**1:50:04**
